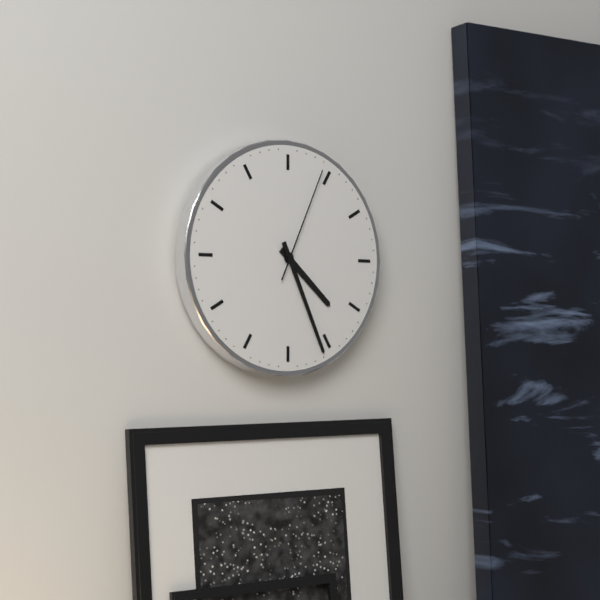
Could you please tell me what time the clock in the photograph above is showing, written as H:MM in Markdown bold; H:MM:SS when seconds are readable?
**4:26:04**
